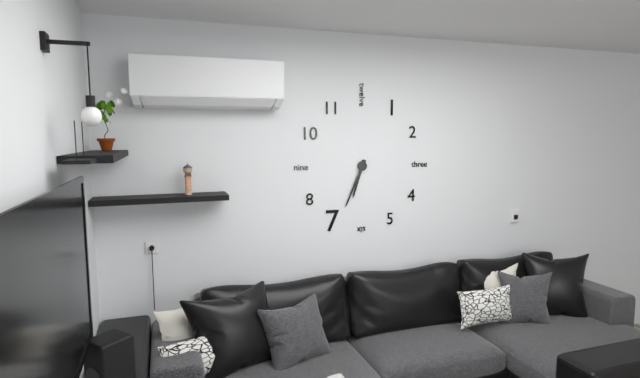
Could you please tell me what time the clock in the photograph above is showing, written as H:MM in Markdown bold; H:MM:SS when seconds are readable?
**6:34**
